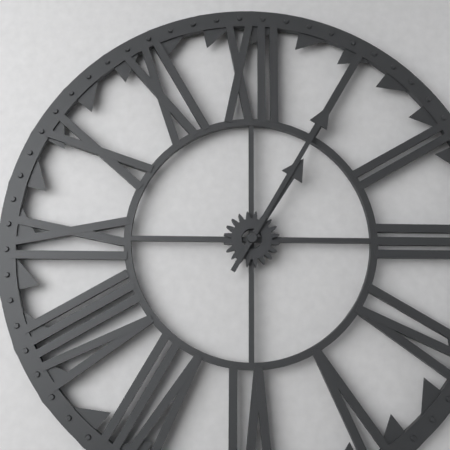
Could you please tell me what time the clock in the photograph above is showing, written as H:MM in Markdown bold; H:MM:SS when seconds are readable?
**1:05**
